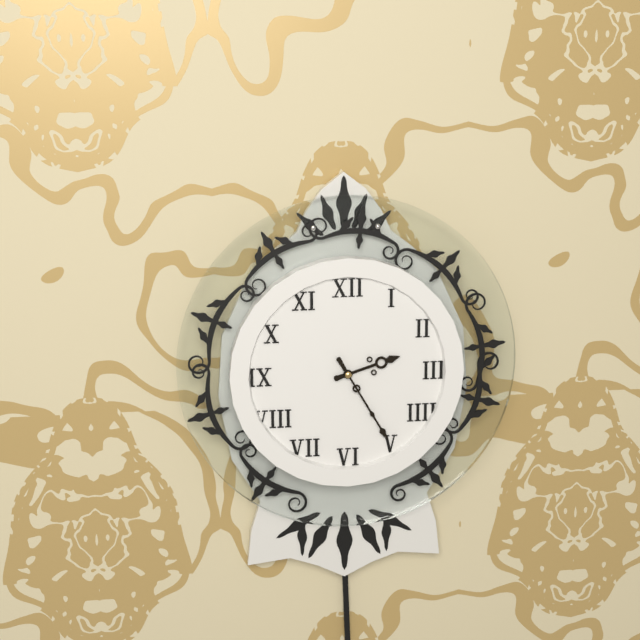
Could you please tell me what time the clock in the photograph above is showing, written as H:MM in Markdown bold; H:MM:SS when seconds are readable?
**2:25**
